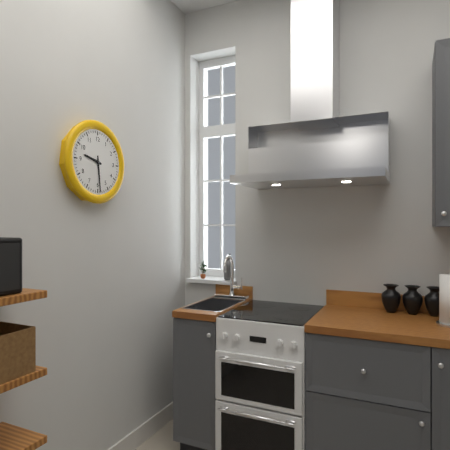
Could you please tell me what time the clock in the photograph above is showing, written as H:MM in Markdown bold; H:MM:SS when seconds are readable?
**9:29**
